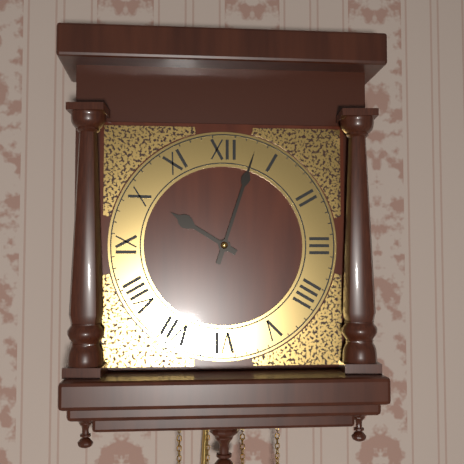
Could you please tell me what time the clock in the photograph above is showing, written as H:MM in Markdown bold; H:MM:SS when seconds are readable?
**10:03**
